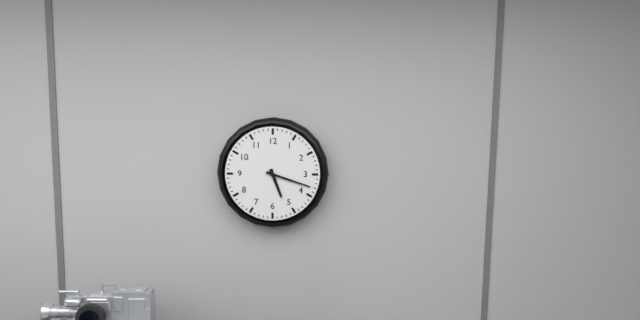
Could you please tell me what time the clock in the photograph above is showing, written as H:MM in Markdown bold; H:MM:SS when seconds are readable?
**5:18**
